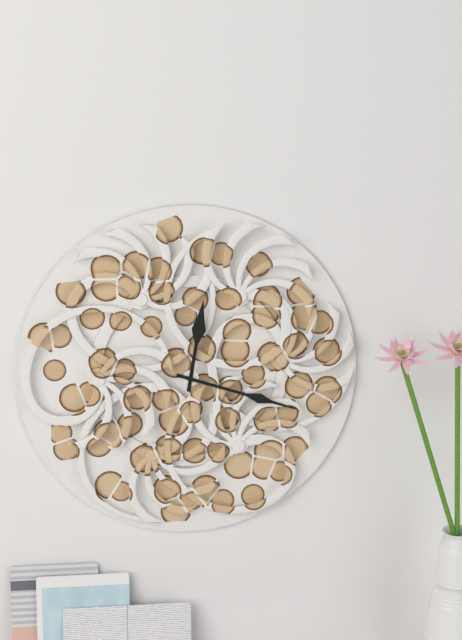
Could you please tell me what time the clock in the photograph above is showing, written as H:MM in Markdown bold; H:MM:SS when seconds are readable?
**12:18**
